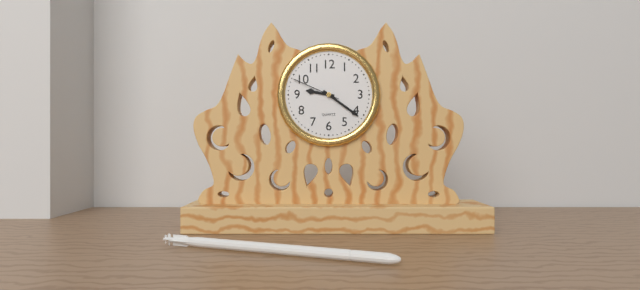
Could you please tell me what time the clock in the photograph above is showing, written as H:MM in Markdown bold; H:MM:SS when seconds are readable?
**9:21**
